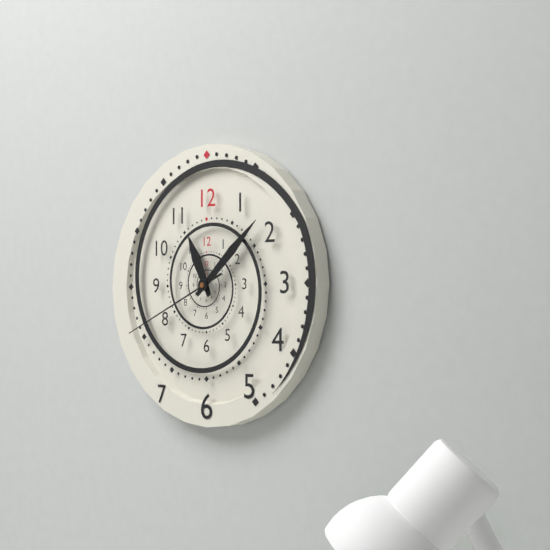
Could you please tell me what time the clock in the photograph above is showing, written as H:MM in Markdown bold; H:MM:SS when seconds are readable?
**11:08:41**
